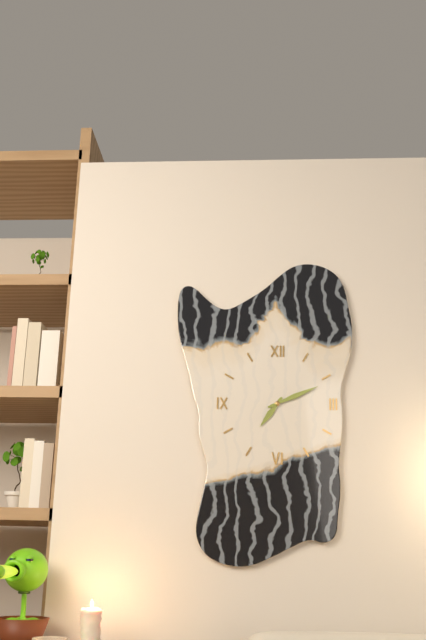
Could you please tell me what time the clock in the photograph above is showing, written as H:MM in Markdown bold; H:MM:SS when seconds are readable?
**7:11**
